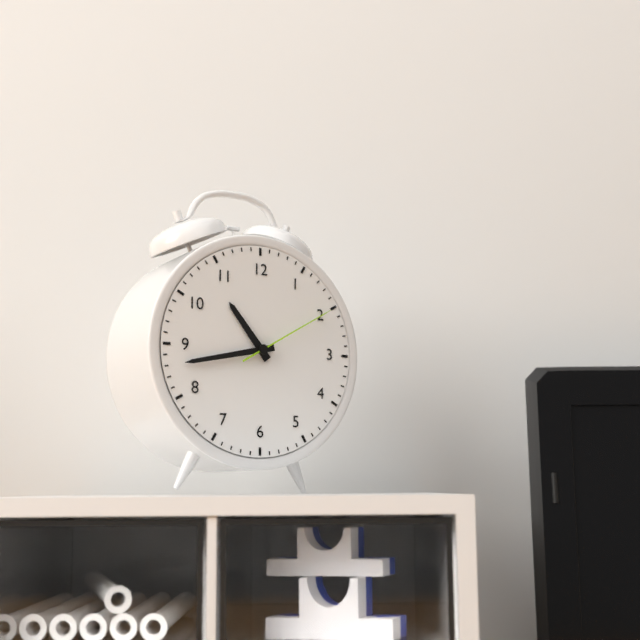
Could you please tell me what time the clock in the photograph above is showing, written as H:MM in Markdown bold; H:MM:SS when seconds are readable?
**10:43:10**
